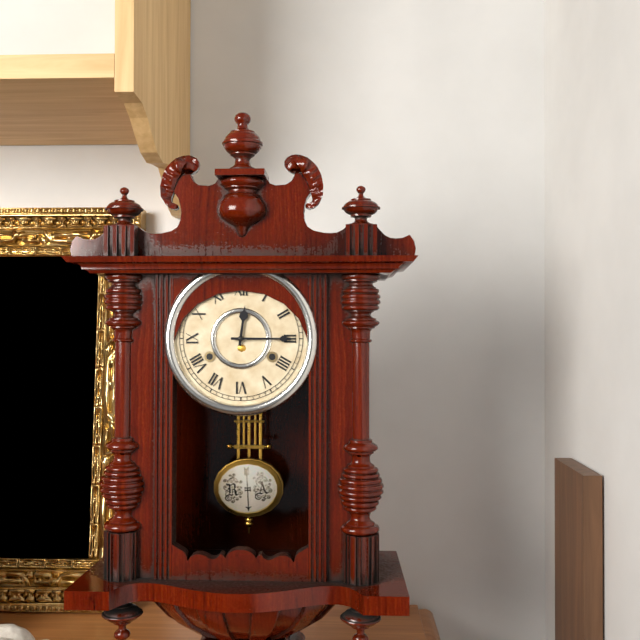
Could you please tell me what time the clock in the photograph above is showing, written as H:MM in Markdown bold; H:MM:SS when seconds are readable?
**12:15**
